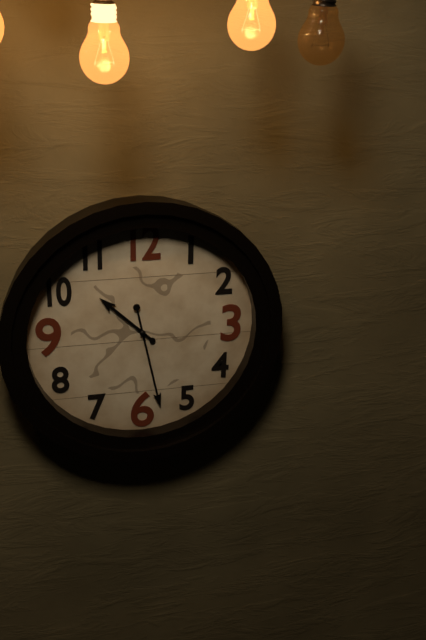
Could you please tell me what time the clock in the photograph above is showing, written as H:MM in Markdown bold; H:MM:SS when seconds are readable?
**10:28**
